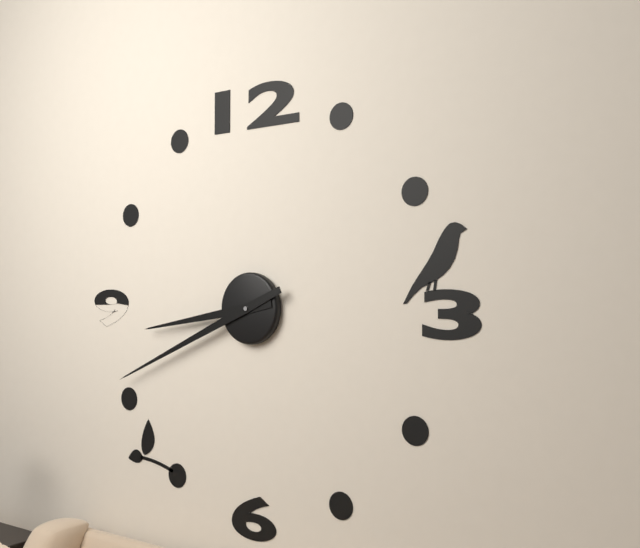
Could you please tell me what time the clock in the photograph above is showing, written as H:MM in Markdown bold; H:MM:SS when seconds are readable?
**8:41**
